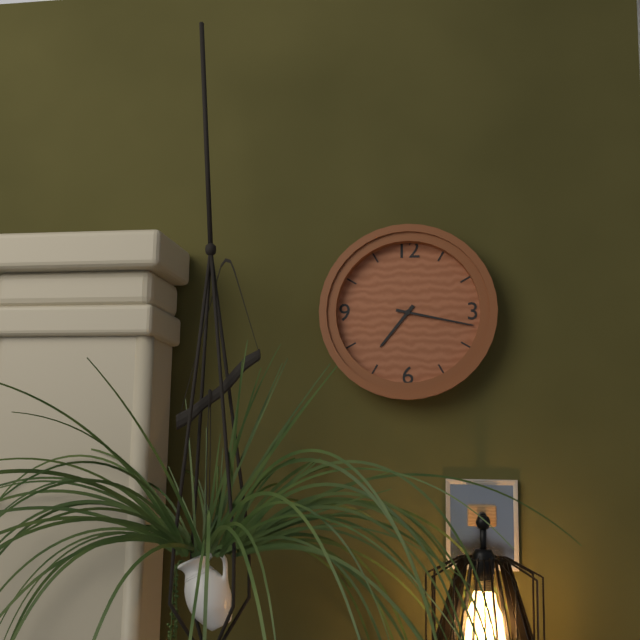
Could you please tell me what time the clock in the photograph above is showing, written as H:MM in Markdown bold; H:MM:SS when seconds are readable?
**7:17**
